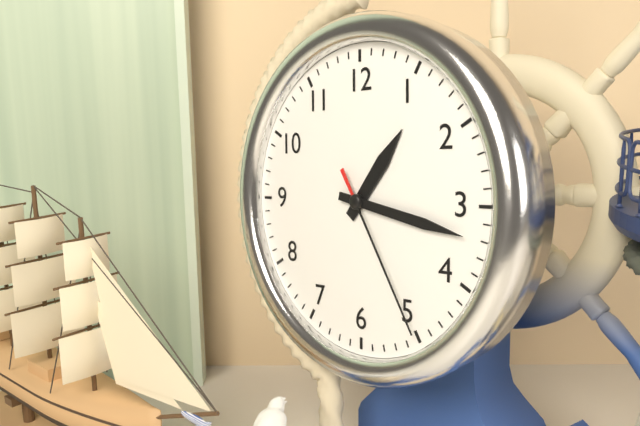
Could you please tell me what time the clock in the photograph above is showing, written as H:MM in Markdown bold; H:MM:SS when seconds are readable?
**1:17:25**
